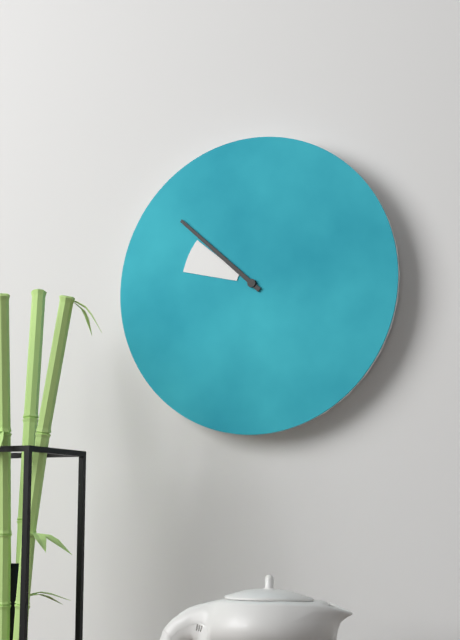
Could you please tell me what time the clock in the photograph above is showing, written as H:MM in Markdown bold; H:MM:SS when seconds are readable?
**9:52**
